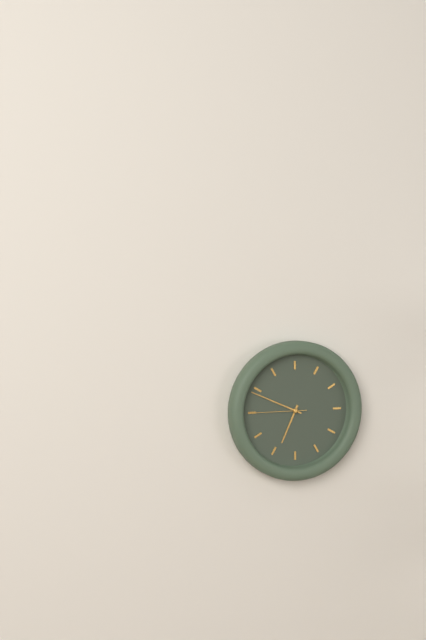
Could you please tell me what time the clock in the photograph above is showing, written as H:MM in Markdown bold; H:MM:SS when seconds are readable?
**6:49:45**
